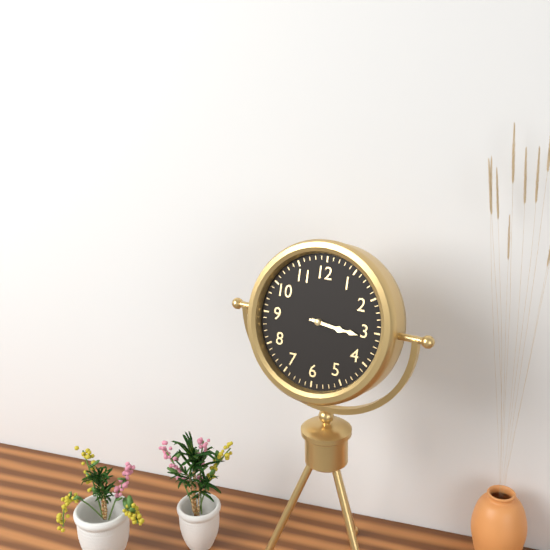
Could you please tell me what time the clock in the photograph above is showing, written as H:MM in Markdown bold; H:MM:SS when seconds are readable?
**3:16**
